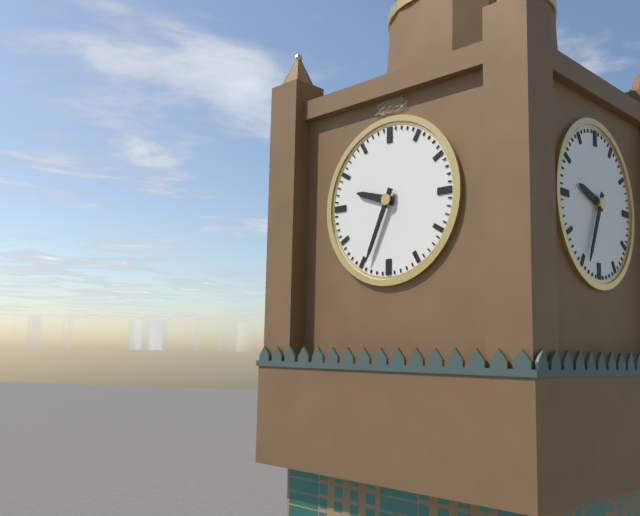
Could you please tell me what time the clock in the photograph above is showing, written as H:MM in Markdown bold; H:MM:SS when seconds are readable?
**9:34**
